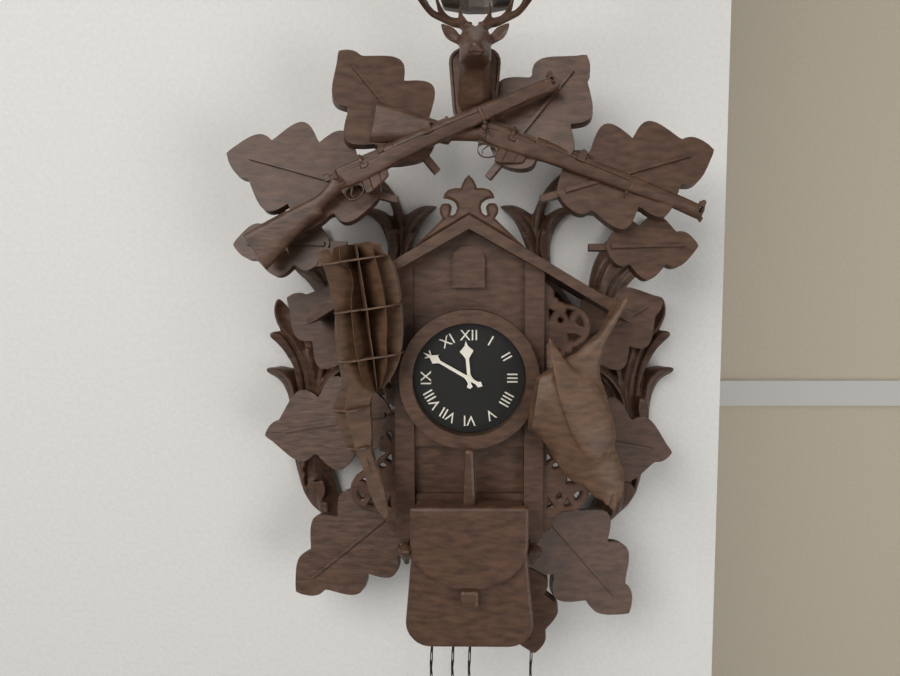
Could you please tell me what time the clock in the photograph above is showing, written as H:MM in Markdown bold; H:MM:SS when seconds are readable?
**11:50**
